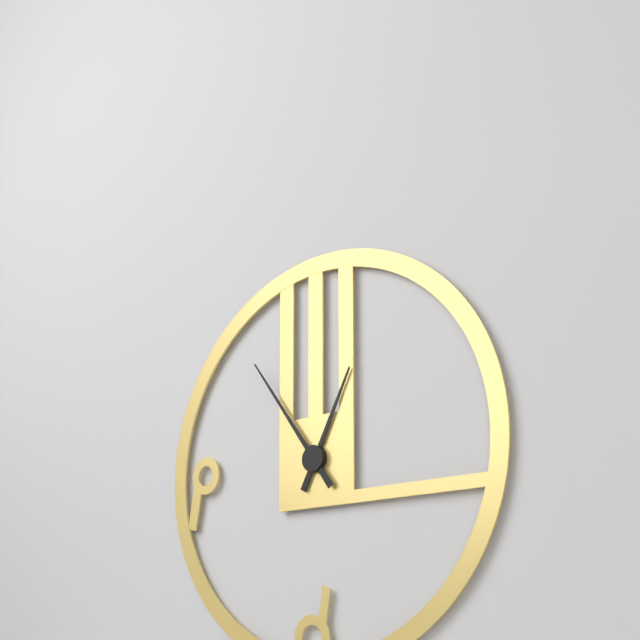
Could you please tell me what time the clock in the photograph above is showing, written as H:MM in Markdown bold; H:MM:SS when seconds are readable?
**12:54**
